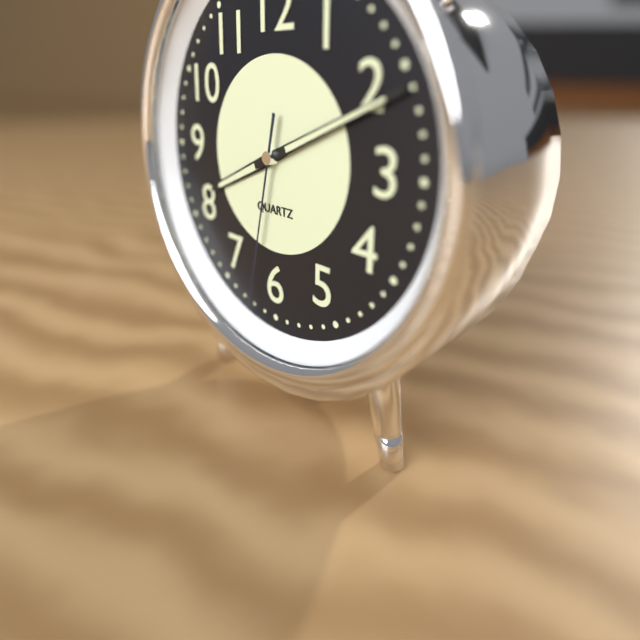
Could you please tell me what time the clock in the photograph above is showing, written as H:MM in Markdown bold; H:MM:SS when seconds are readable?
**8:11:32**
